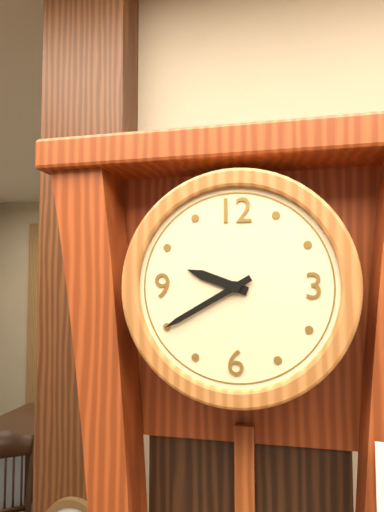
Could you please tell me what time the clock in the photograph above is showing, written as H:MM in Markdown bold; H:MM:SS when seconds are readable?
**9:40**
